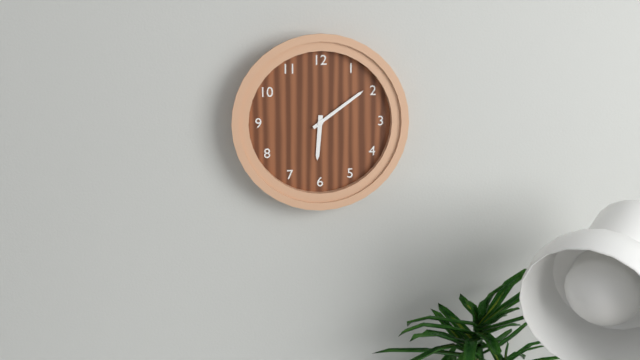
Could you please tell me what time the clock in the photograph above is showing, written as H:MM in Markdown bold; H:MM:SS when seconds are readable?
**6:09**
